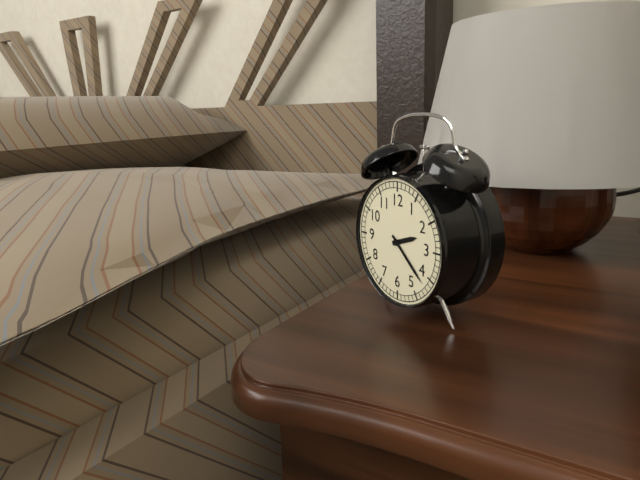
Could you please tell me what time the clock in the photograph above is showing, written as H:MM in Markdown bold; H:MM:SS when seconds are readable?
**2:22**
